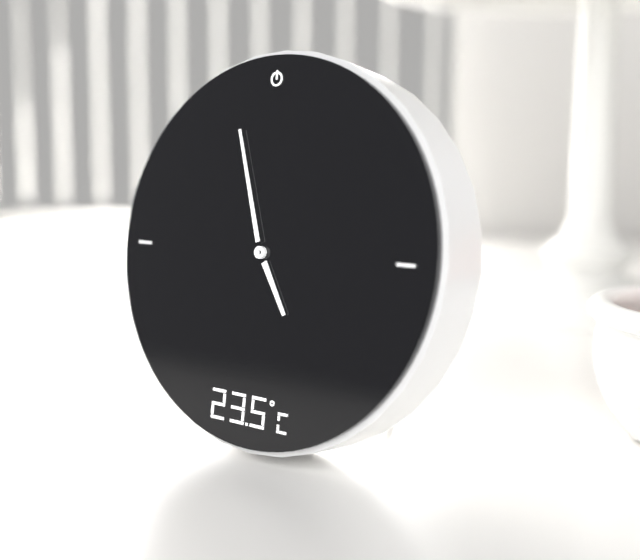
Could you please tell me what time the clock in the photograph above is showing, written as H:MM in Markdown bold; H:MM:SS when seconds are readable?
**4:57**
